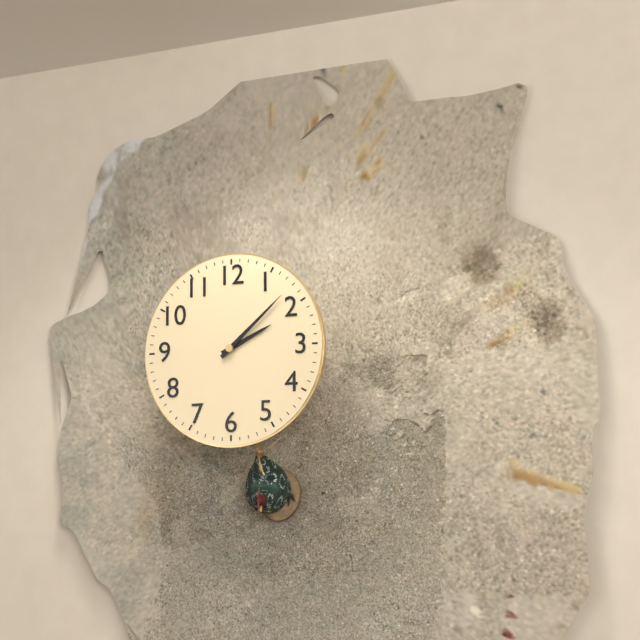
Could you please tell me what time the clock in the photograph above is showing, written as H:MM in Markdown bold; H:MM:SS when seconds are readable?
**2:08**
